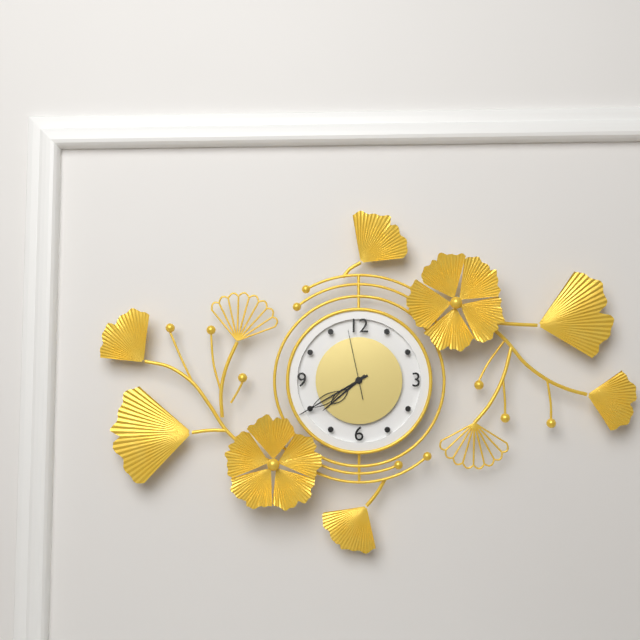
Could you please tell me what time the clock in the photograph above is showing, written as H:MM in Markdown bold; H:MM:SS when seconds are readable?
**7:40:58**
